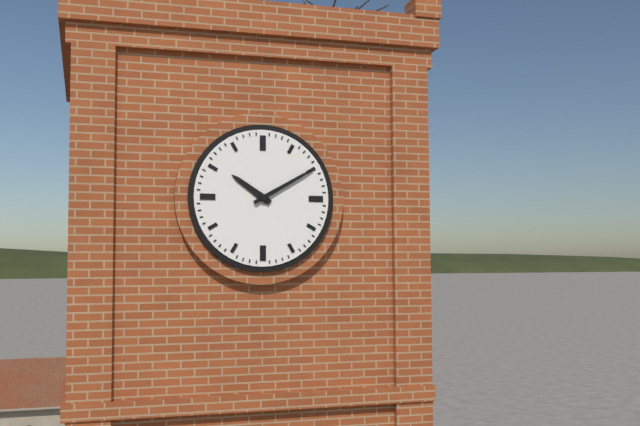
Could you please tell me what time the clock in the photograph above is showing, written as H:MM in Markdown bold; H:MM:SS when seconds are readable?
**10:10**
